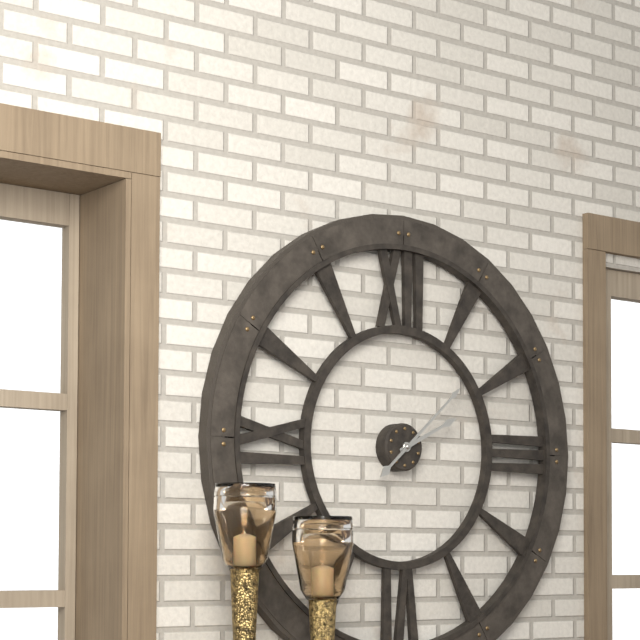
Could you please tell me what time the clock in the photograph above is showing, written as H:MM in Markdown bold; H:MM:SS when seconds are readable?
**2:08**
